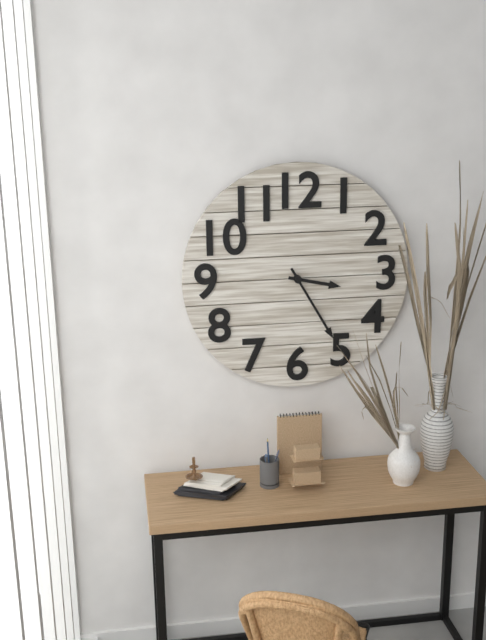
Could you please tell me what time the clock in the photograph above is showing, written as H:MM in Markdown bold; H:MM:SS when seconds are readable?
**3:25**
